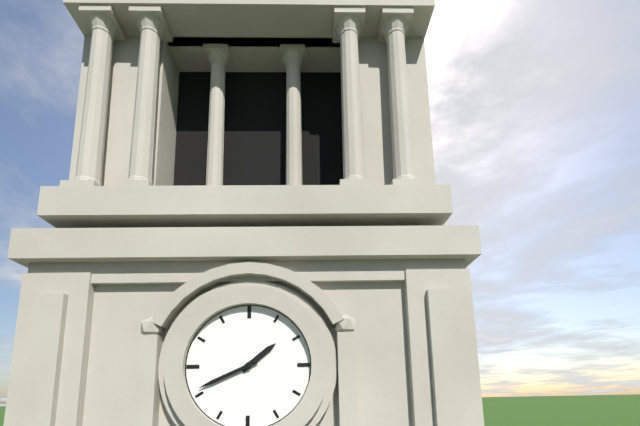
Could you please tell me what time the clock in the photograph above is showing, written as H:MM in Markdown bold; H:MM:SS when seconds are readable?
**1:41**
